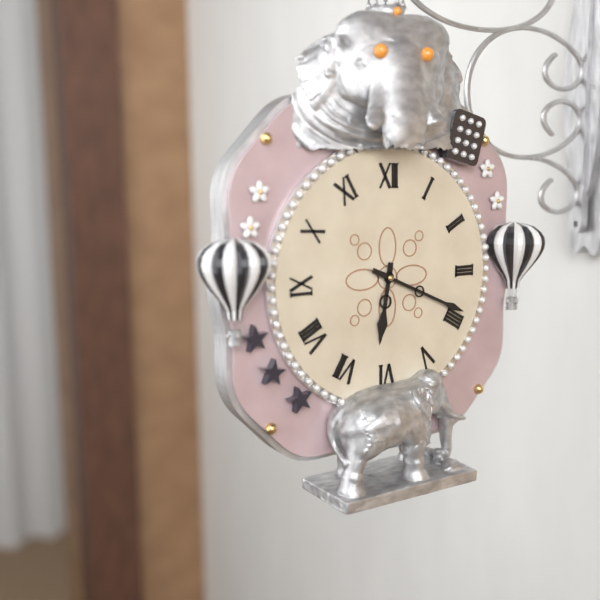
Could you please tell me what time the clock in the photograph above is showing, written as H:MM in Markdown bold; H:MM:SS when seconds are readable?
**6:19**
